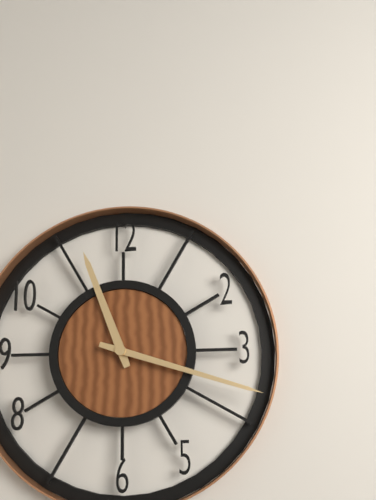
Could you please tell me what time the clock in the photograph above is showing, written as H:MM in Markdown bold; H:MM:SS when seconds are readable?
**11:18**
